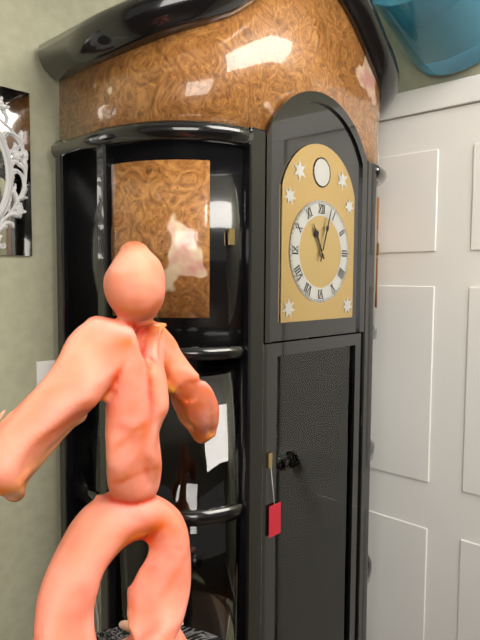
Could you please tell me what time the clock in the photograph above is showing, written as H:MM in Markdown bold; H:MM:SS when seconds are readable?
**11:03**
